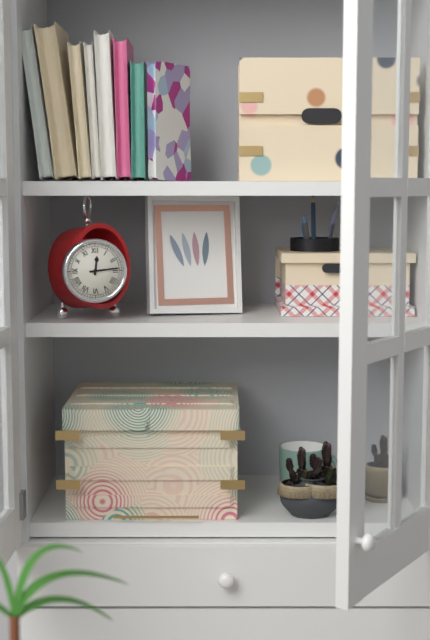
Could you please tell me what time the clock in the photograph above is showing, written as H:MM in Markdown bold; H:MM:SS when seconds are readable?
**12:14**
